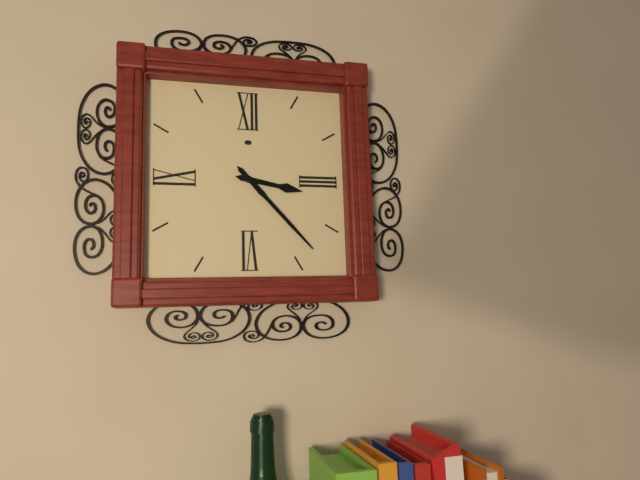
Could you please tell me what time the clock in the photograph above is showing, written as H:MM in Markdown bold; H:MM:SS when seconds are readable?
**3:23**
